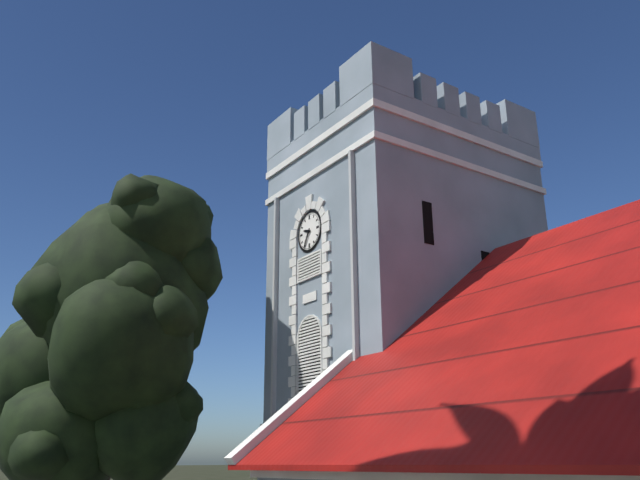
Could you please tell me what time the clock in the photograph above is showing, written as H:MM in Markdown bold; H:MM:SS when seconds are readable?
**9:35**
